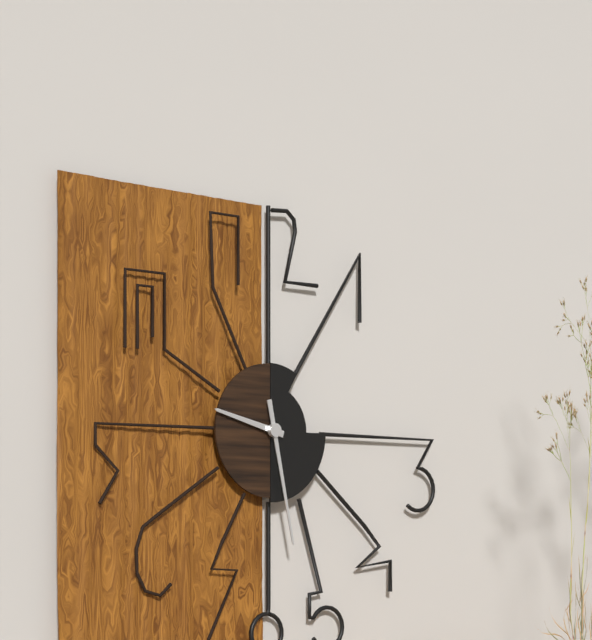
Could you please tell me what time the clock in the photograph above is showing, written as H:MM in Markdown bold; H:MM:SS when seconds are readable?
**9:28**
